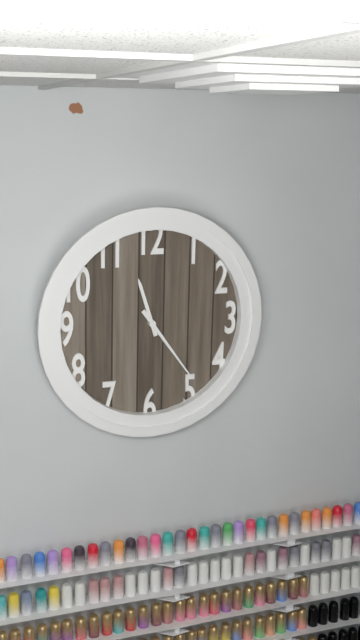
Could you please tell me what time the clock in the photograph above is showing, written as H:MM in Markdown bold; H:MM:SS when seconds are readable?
**11:24**
